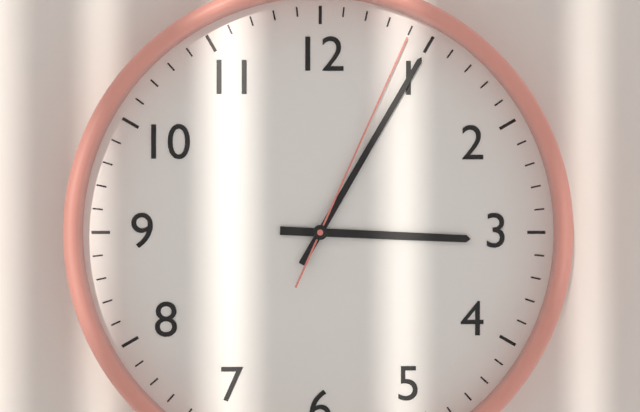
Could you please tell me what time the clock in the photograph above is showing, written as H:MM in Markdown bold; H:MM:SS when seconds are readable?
**3:05:04**
